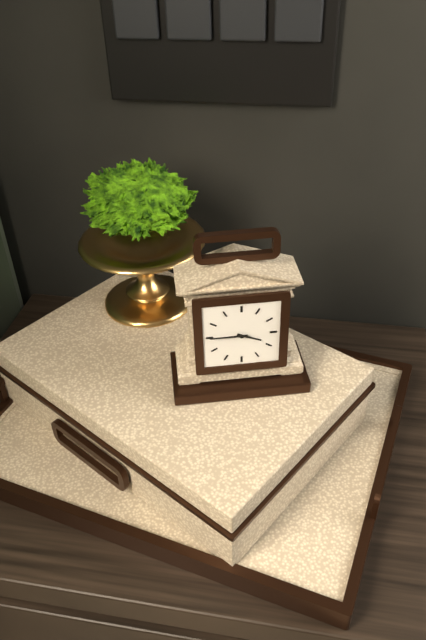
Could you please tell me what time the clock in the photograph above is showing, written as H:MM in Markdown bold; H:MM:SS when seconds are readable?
**3:45**
